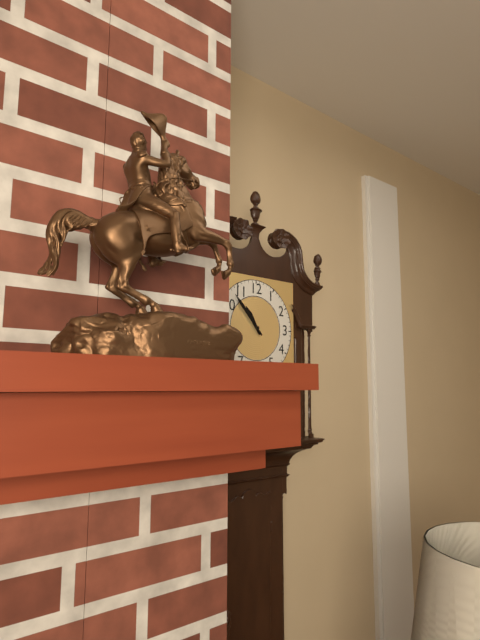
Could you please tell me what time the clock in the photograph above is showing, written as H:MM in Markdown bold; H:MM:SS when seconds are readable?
**10:53**
